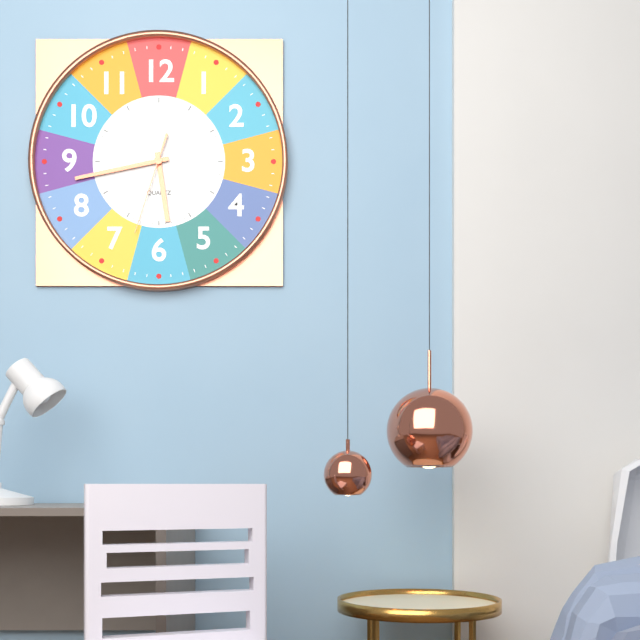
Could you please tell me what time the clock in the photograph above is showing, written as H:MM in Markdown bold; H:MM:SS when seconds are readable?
**5:43:33**
